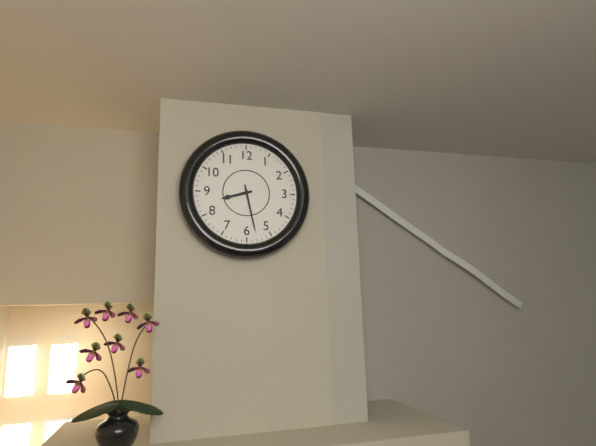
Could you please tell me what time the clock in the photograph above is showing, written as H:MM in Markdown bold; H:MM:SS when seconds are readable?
**8:28**
